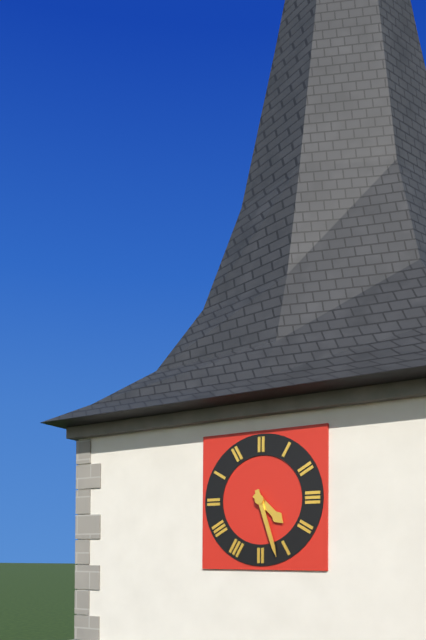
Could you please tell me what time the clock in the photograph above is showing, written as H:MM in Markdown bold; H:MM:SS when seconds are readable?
**4:27**
